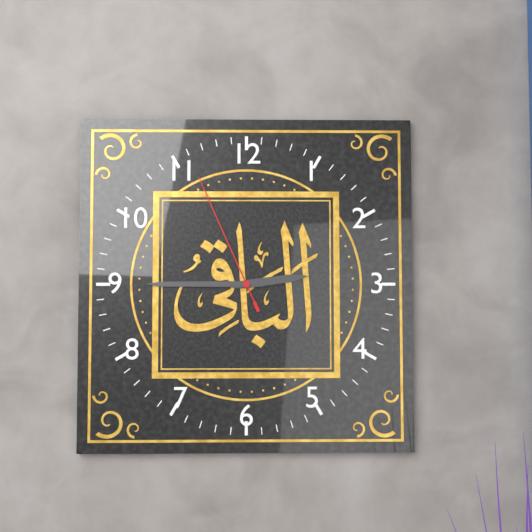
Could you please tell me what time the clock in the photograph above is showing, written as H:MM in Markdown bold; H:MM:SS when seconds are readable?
**2:45:56**
